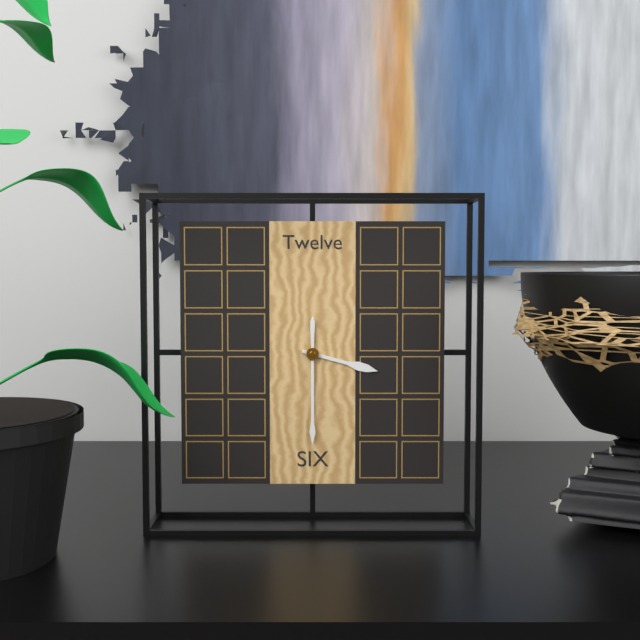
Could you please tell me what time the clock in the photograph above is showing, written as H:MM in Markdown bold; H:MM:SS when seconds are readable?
**3:30**
